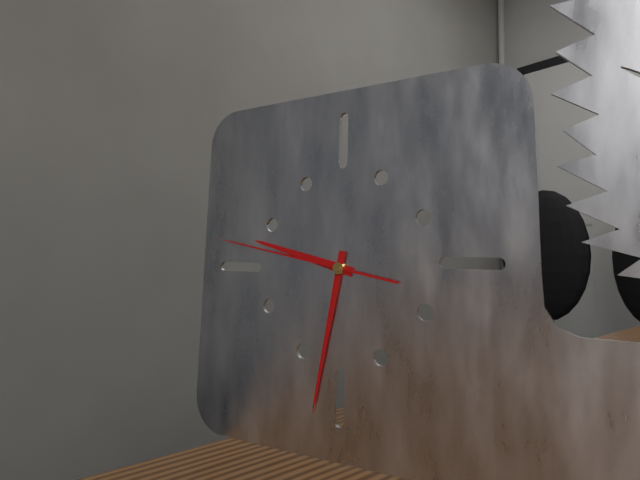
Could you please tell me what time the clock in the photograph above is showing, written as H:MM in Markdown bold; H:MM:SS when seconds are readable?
**9:32:47**
